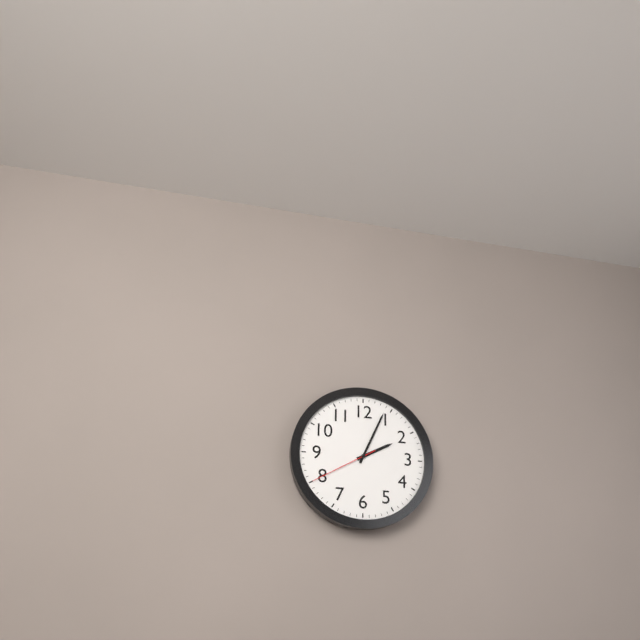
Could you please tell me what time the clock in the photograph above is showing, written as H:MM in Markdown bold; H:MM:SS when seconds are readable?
**2:04:40**
